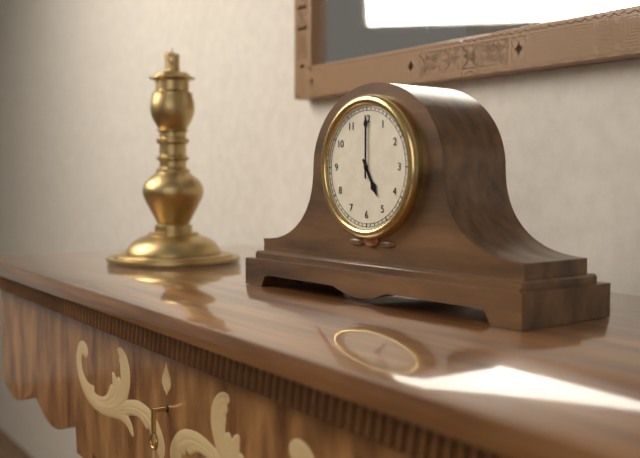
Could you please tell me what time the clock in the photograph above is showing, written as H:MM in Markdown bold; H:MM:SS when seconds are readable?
**5:00**
